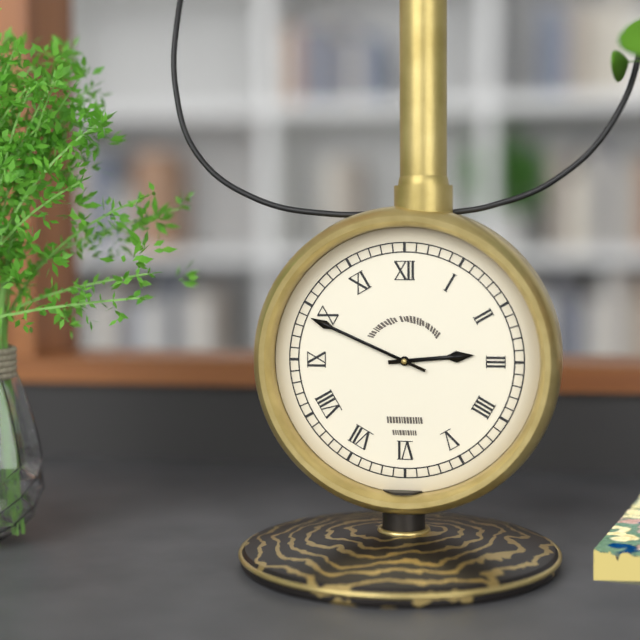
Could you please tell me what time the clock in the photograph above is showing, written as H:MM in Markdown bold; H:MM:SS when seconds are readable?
**2:49**
